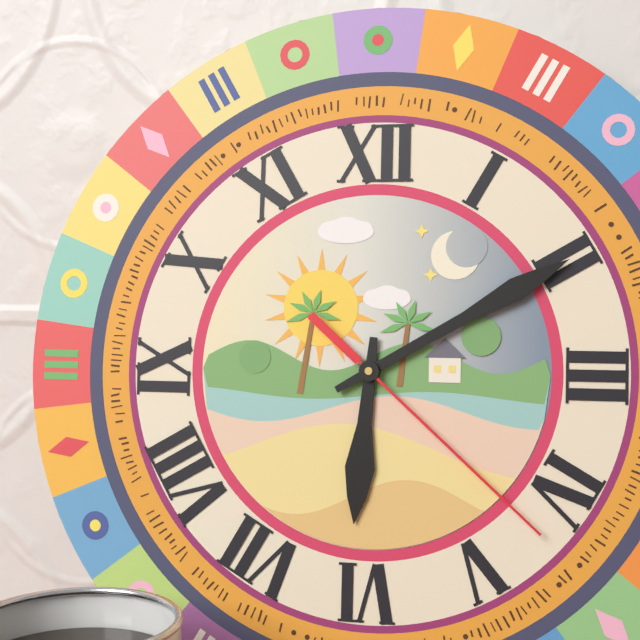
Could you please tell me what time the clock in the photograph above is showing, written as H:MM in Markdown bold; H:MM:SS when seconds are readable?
**6:10:22**
